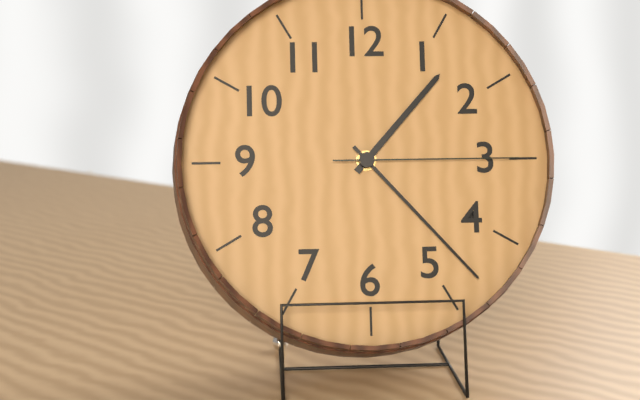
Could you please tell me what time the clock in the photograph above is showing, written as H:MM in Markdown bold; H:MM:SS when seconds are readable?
**1:23:15**
